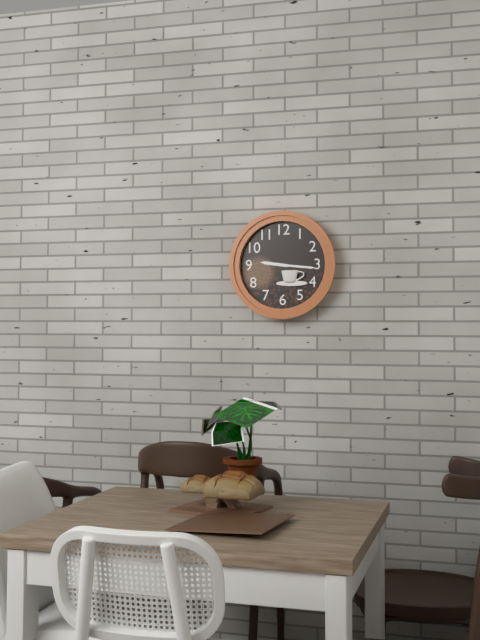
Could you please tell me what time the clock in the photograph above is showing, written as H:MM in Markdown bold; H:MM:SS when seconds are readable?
**9:16**
